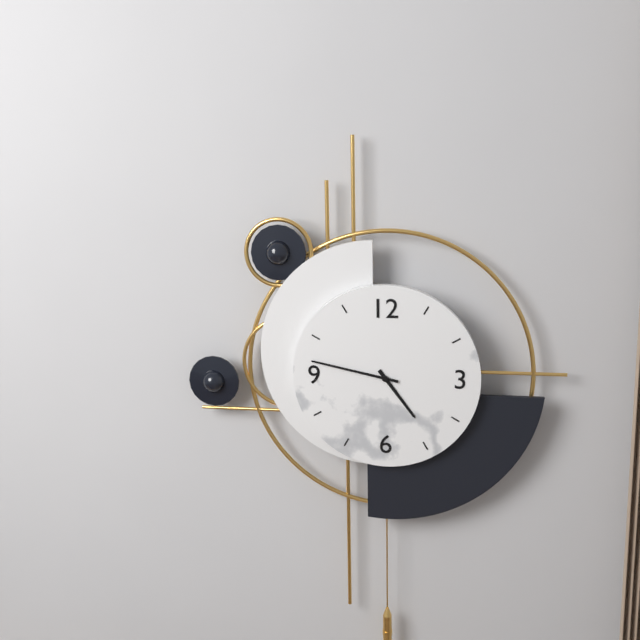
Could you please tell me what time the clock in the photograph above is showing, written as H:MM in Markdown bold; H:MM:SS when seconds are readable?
**4:47**
